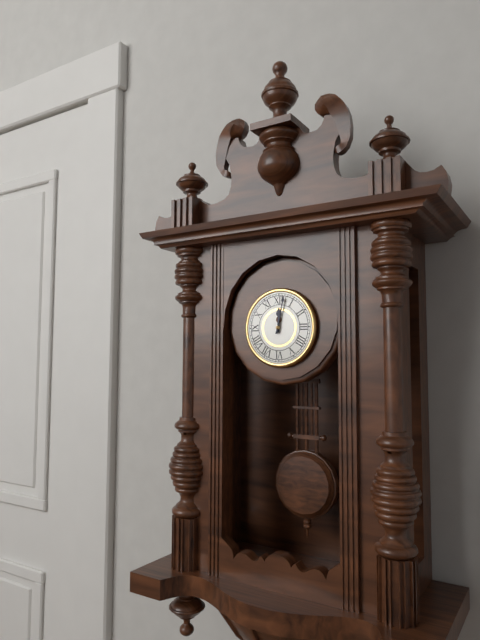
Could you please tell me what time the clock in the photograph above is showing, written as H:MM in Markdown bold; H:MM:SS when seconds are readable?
**12:02**
